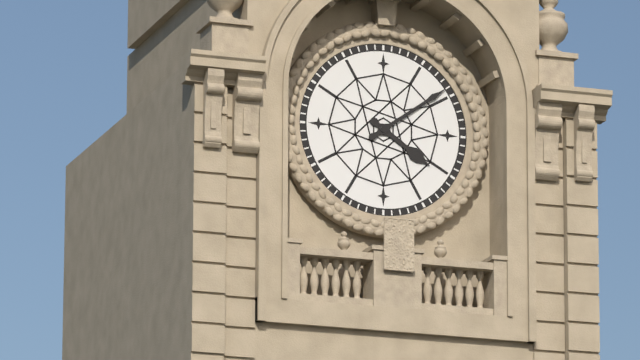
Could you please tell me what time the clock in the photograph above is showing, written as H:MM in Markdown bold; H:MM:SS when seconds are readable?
**4:09**
